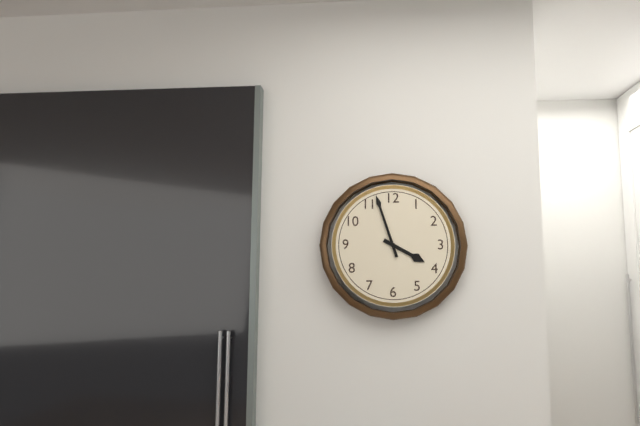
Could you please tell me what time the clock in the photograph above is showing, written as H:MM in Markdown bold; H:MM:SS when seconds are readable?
**3:57**
